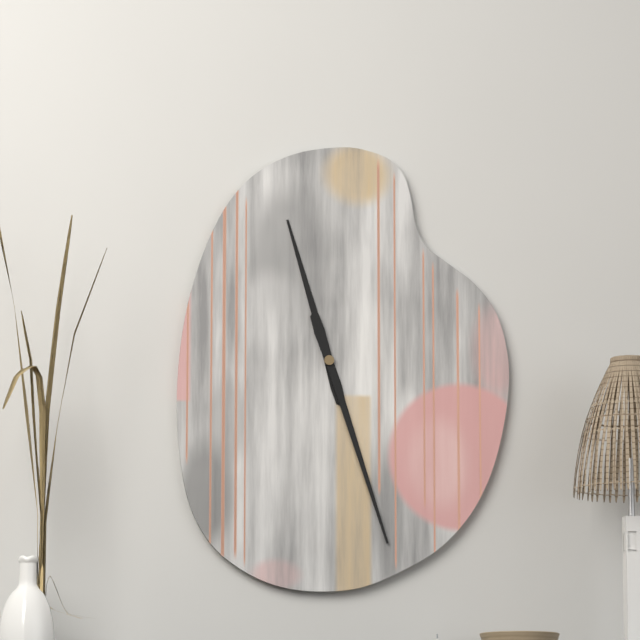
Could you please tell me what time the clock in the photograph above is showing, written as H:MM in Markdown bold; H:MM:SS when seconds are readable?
**11:27**
